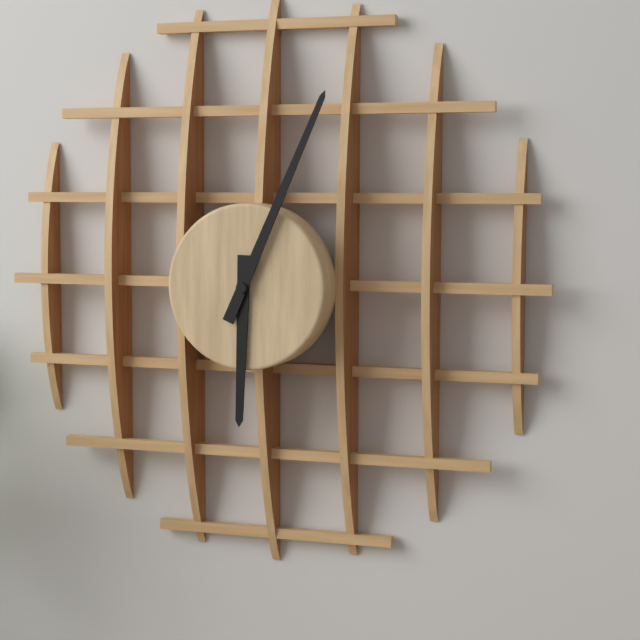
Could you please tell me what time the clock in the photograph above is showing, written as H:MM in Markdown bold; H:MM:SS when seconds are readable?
**6:04**
